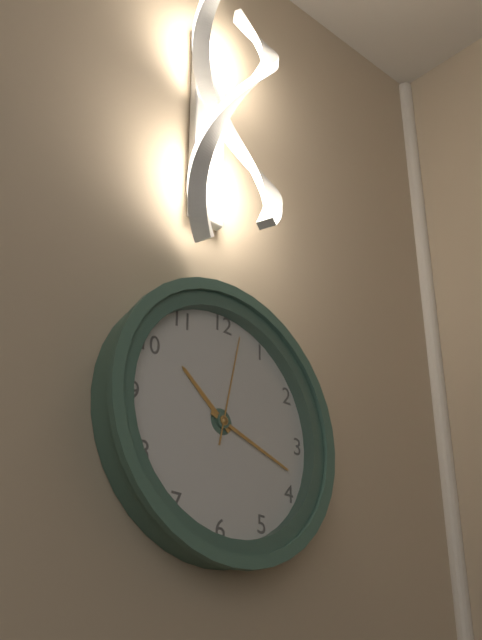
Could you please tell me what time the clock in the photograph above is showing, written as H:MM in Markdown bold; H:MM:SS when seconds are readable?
**10:18:02**
